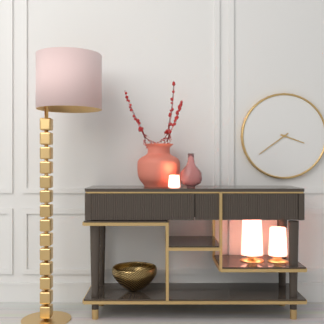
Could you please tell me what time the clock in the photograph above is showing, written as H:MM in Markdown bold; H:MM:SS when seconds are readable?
**3:39**
